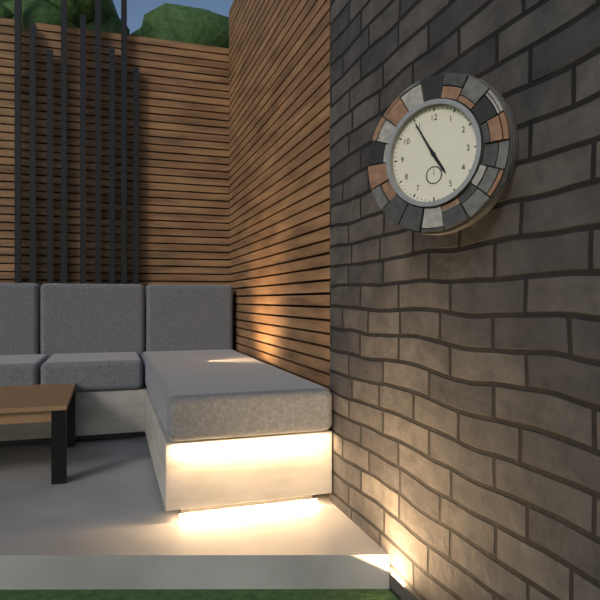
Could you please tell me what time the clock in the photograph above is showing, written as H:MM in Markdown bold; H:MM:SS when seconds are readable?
**4:55**
